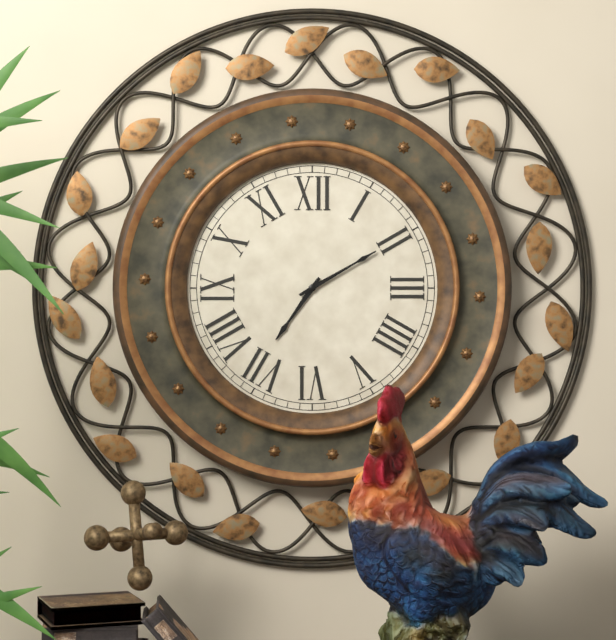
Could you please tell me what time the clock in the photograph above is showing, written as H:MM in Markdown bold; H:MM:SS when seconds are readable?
**7:10**
